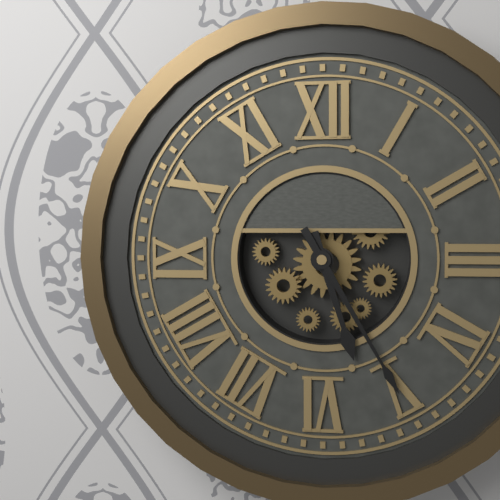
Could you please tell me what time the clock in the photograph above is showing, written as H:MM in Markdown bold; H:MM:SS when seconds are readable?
**5:25**
